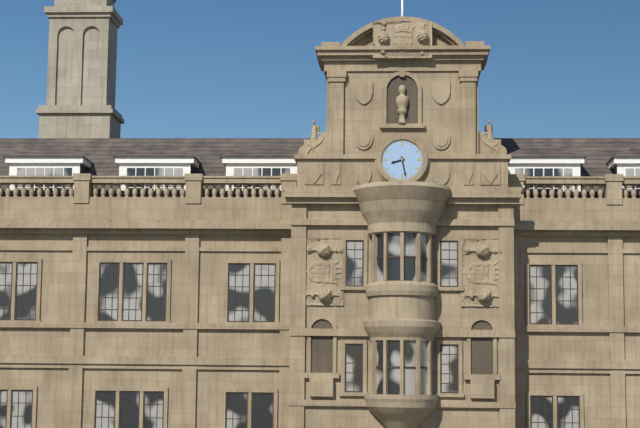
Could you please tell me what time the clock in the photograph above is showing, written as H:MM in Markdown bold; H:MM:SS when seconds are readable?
**8:28**
